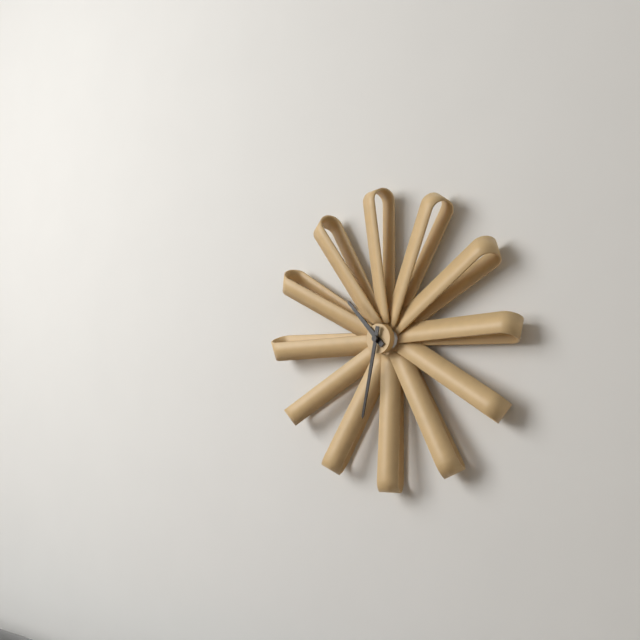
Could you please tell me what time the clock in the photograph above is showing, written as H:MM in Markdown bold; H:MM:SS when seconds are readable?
**10:32**
